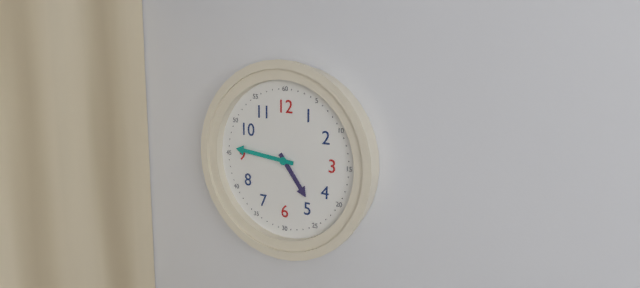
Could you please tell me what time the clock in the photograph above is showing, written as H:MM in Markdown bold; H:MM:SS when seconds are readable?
**4:46**
